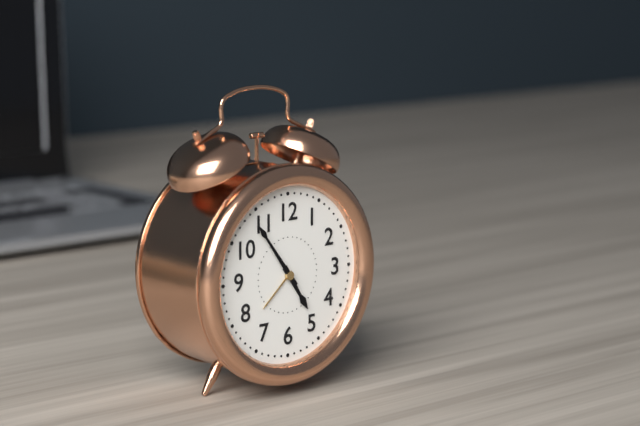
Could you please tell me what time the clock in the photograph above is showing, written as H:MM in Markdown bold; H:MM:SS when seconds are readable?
**4:54**
